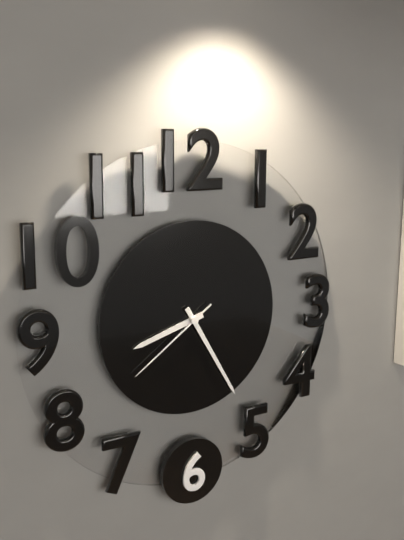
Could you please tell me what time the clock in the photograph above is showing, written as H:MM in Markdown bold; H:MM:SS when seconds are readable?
**8:25:39**
